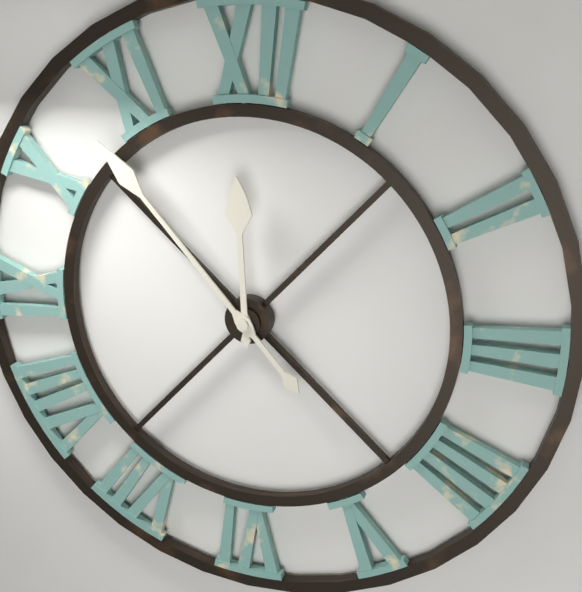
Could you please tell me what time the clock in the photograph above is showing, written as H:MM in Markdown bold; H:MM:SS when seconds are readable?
**11:53**
